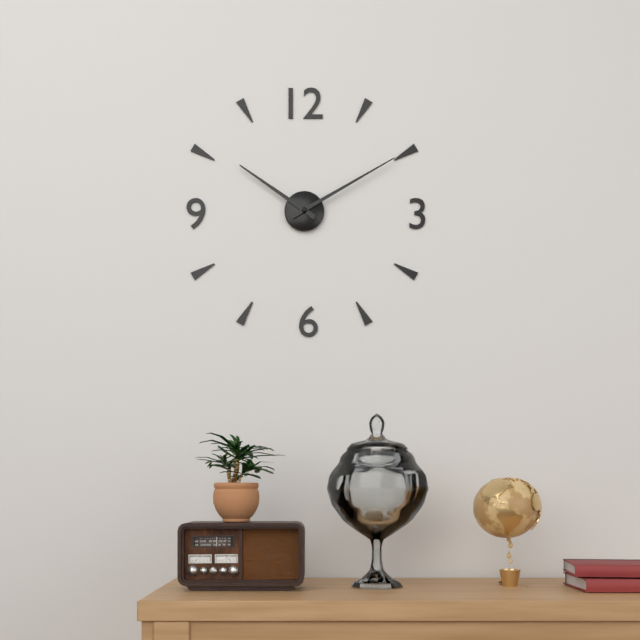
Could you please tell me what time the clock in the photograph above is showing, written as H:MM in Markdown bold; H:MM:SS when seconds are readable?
**10:10**
